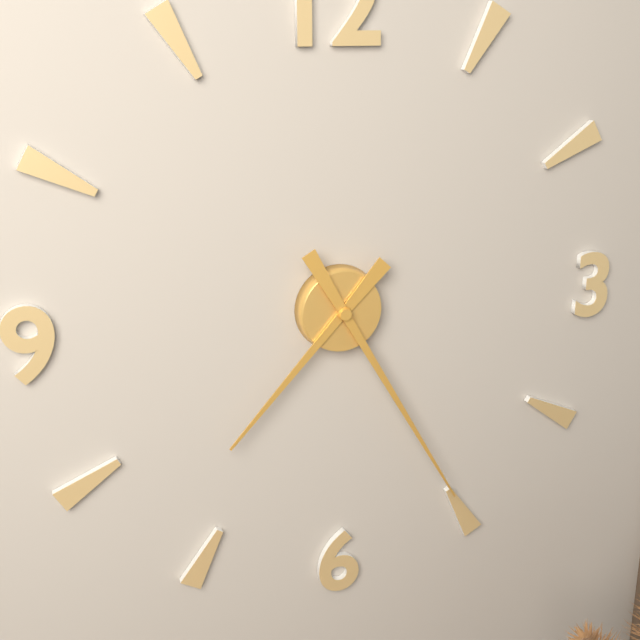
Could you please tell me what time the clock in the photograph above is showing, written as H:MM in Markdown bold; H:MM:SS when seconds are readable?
**7:25**
